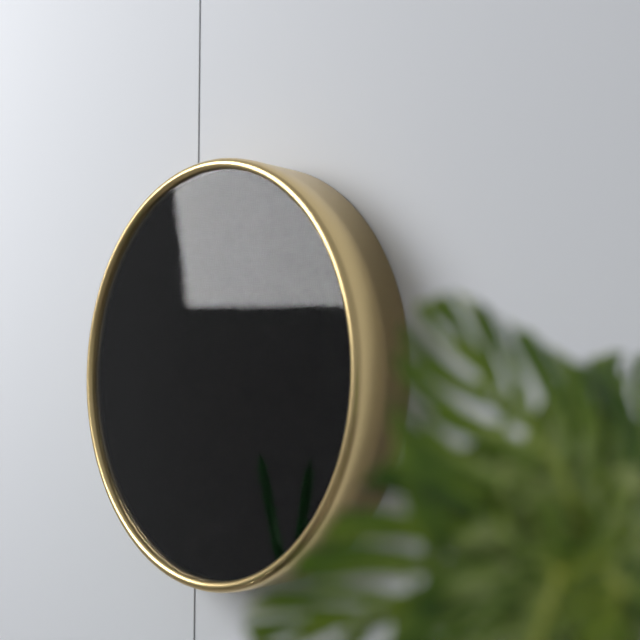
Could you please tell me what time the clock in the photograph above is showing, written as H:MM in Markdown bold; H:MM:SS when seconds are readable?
**8:04**
